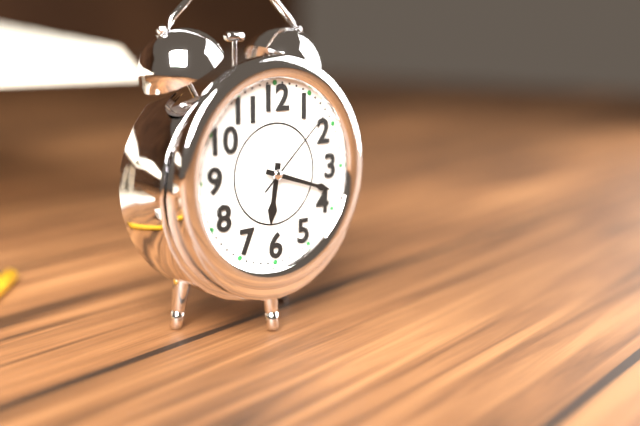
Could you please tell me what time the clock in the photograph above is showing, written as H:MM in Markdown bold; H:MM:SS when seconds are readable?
**6:18:08**
